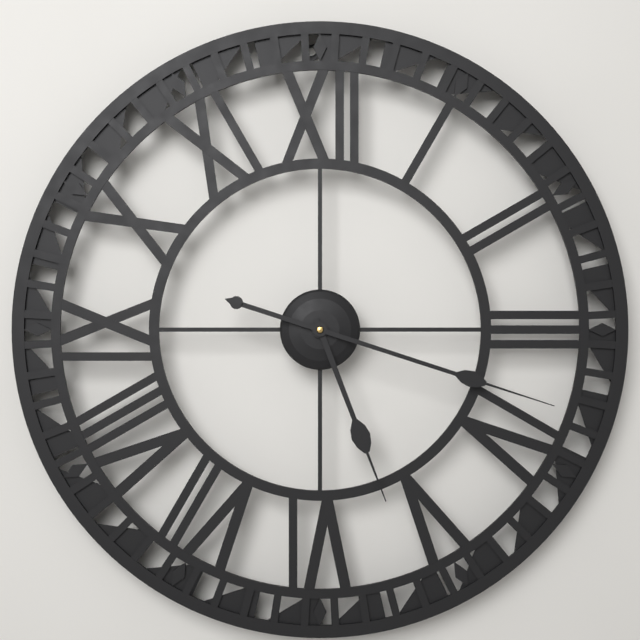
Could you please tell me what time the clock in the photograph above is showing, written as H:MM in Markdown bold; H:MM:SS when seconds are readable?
**5:18**
